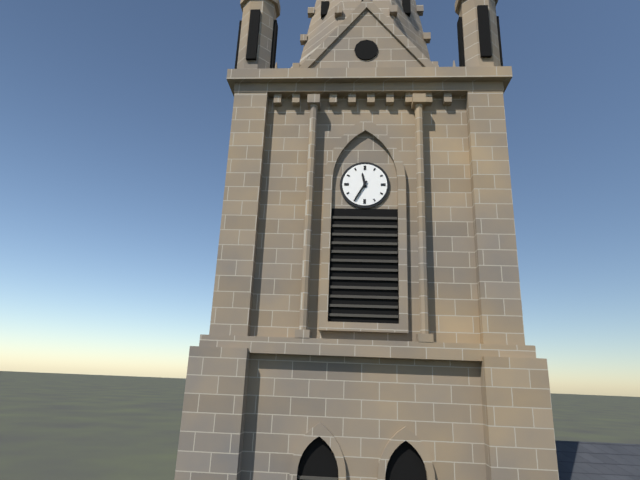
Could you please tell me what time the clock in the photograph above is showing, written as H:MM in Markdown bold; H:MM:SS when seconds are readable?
**11:35**
